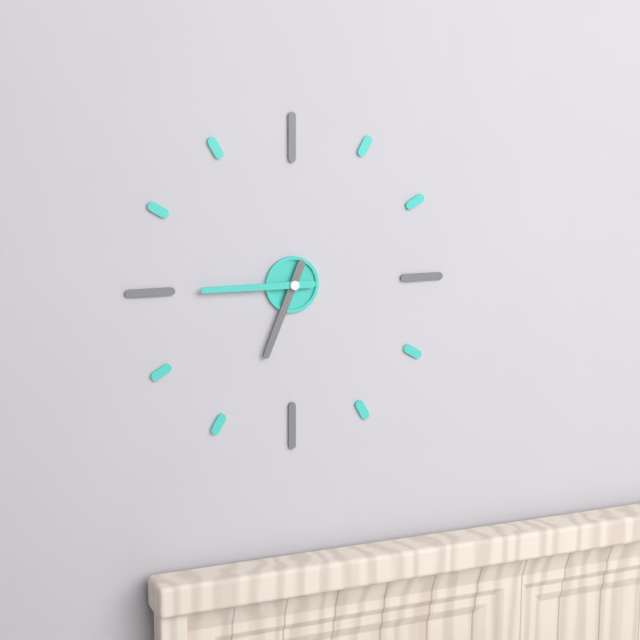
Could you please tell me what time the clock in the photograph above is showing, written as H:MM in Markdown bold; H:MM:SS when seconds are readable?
**6:45**
